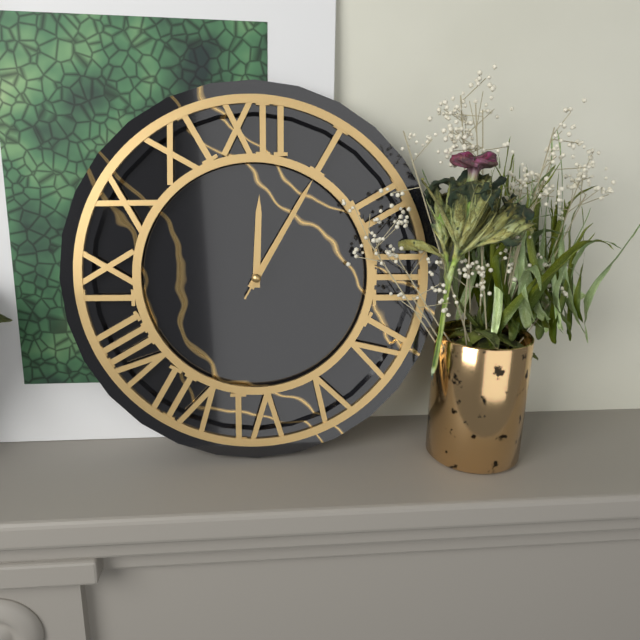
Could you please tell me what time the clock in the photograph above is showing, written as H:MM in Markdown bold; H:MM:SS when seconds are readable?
**12:05:05**
